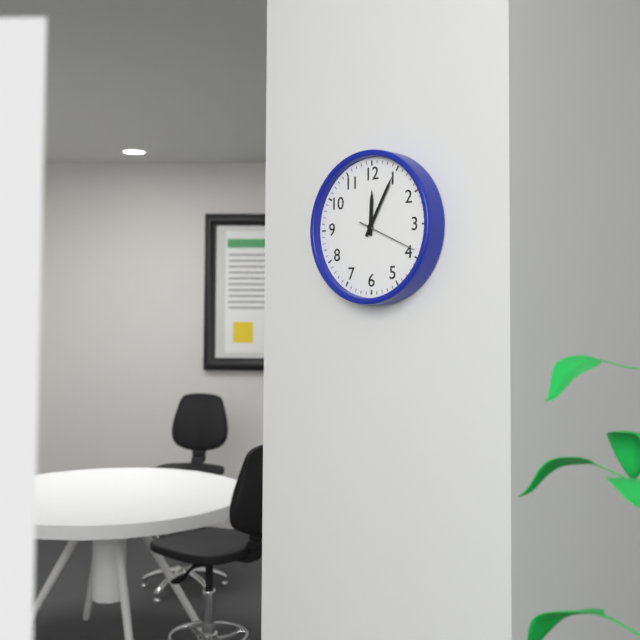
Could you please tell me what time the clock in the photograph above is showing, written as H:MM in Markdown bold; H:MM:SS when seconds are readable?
**12:05**
